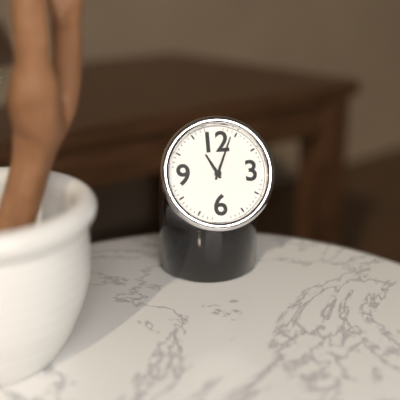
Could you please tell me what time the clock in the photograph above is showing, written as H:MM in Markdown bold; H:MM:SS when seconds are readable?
**11:04**
